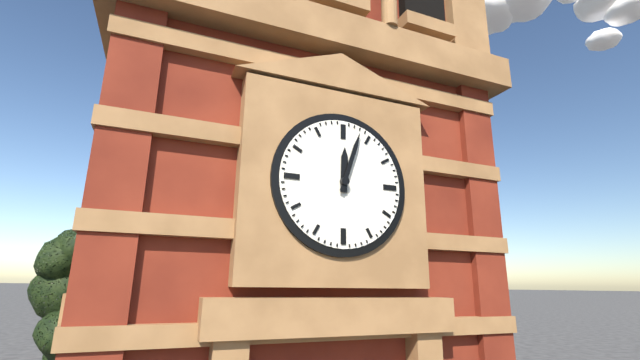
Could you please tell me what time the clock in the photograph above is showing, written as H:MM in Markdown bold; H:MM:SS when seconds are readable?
**12:03**
